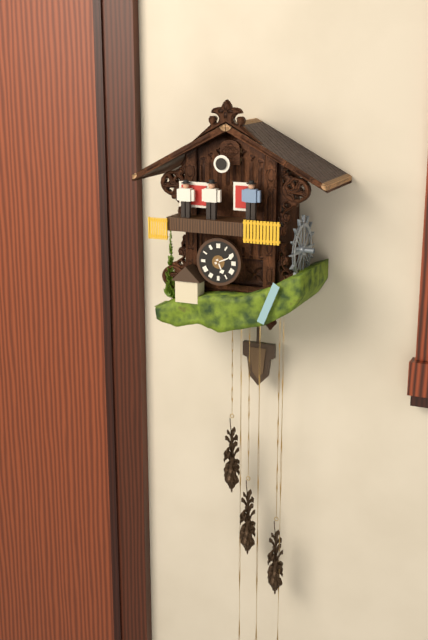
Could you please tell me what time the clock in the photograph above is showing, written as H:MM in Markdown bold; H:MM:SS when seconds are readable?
**5:11**
